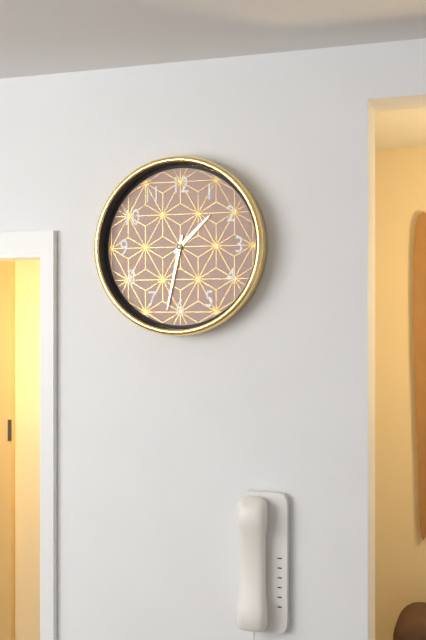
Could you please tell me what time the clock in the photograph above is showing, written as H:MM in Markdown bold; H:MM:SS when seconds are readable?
**1:32**
